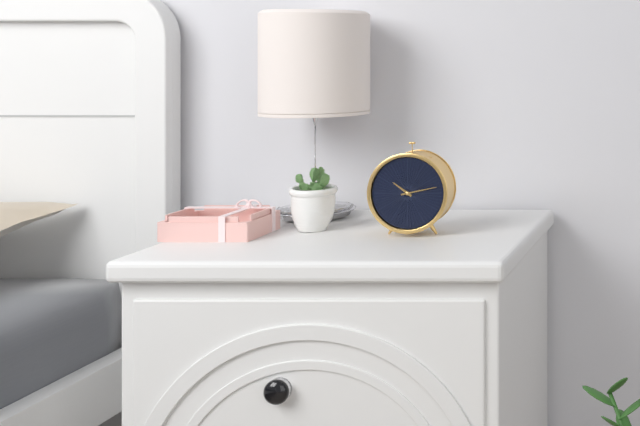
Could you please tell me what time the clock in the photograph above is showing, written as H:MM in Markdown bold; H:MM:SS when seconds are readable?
**10:13**
